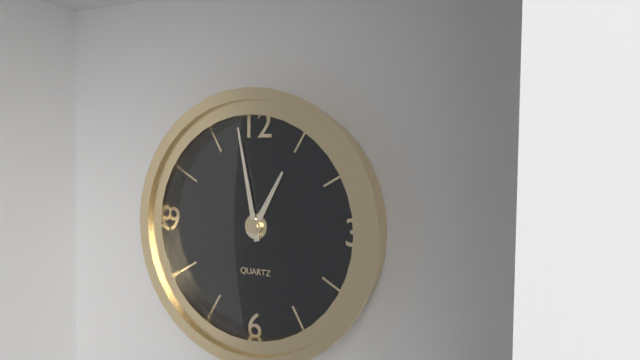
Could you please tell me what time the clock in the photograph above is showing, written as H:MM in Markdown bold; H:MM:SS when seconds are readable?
**12:58**
